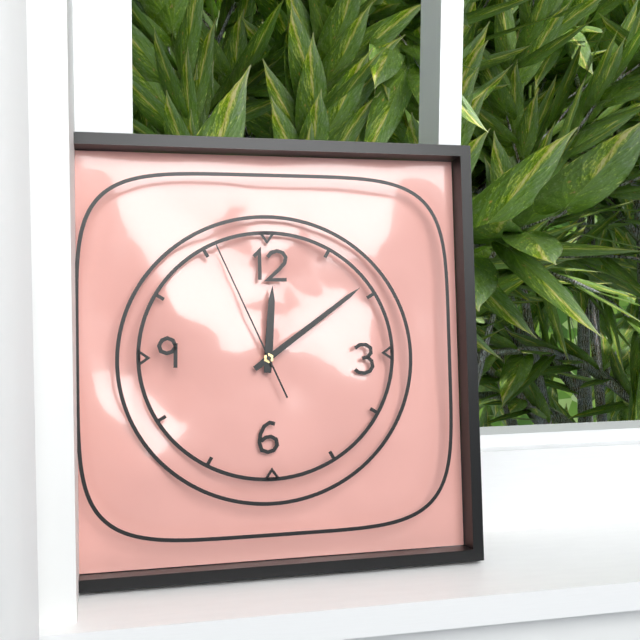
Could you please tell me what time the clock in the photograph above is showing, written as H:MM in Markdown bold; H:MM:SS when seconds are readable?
**12:09:56**
